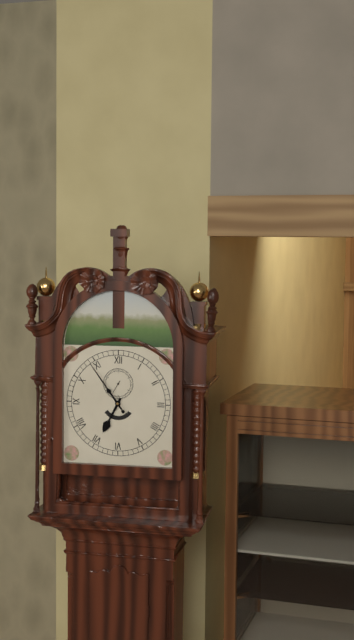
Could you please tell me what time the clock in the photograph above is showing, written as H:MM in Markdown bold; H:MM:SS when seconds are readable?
**6:54**
